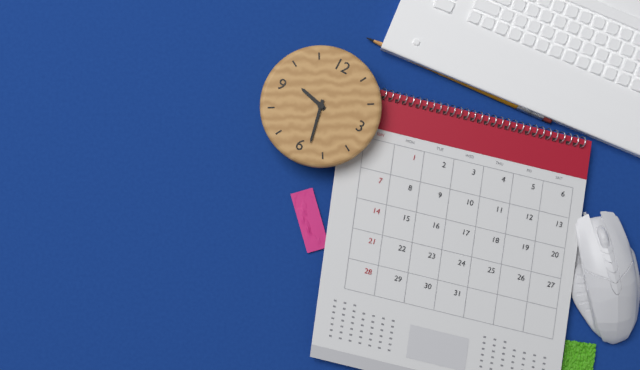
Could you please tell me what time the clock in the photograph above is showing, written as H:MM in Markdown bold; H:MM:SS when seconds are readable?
**9:28**
